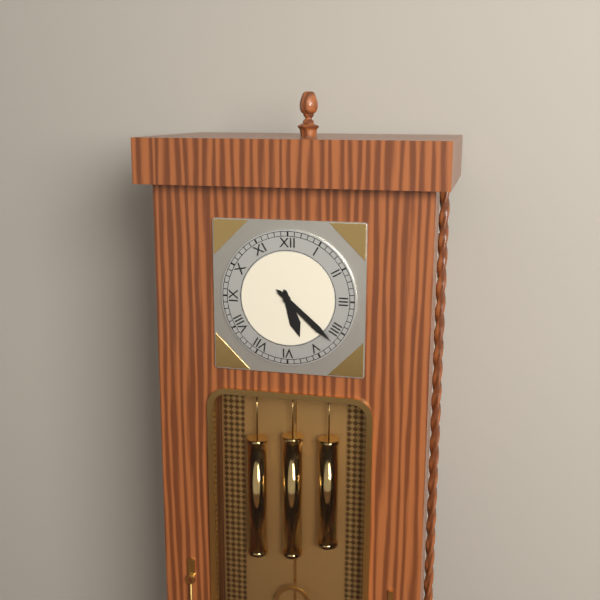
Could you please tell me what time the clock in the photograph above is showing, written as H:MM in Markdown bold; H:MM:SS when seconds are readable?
**5:22**
